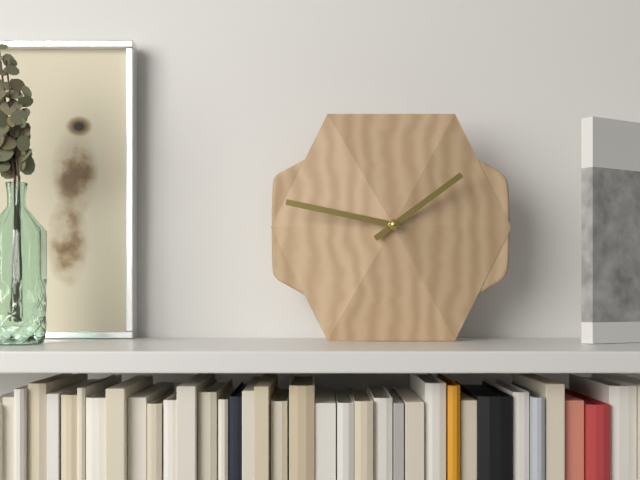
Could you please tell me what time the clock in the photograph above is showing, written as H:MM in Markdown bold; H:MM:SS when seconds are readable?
**1:47**
